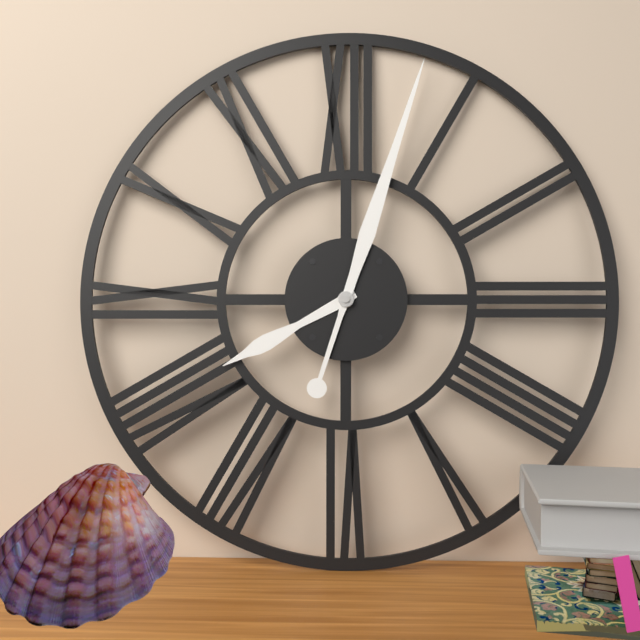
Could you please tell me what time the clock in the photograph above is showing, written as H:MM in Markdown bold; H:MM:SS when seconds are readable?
**8:03**
